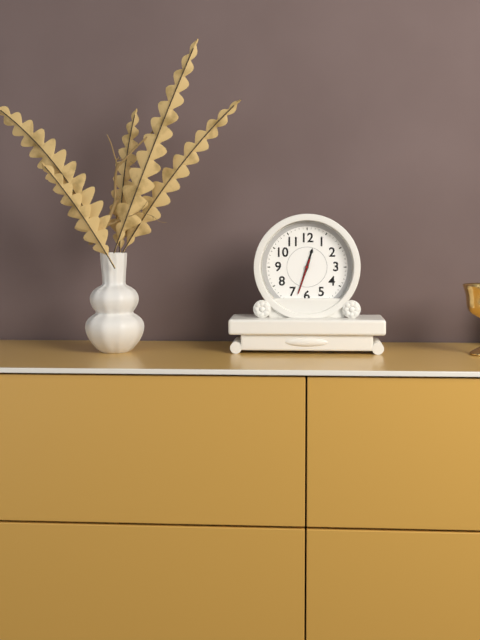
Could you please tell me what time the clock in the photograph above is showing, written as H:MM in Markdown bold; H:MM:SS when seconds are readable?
**12:33**
